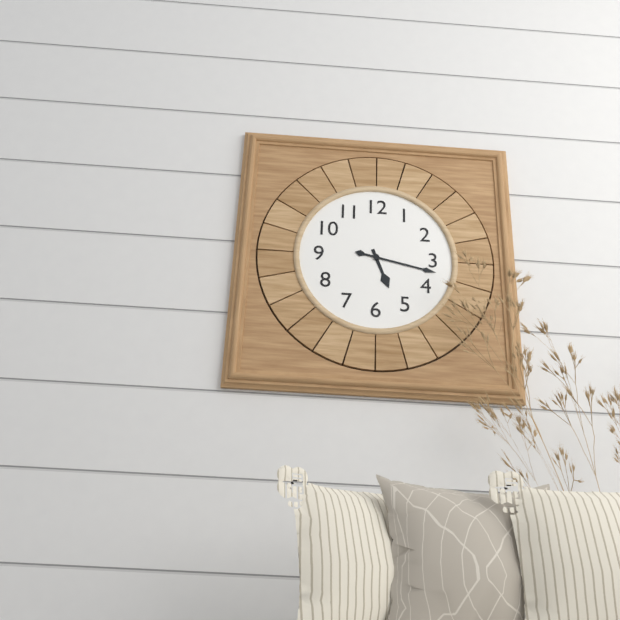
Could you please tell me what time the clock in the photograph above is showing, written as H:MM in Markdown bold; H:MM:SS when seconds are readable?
**5:17**
